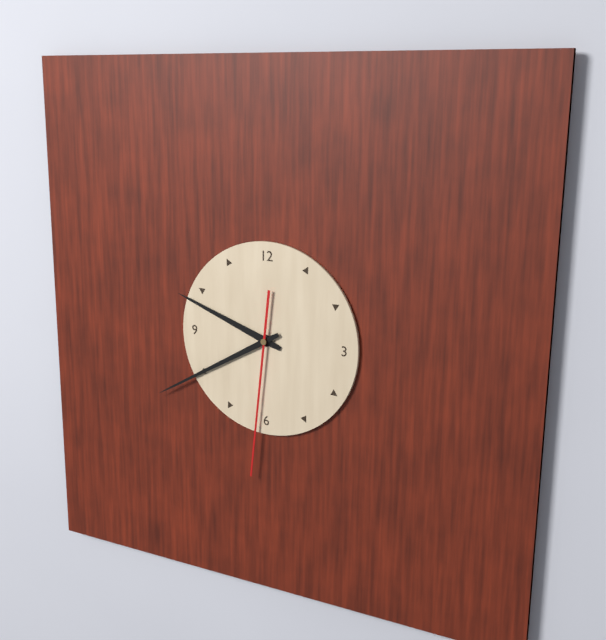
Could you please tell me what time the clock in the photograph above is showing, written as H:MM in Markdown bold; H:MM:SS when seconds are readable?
**9:40:31**
